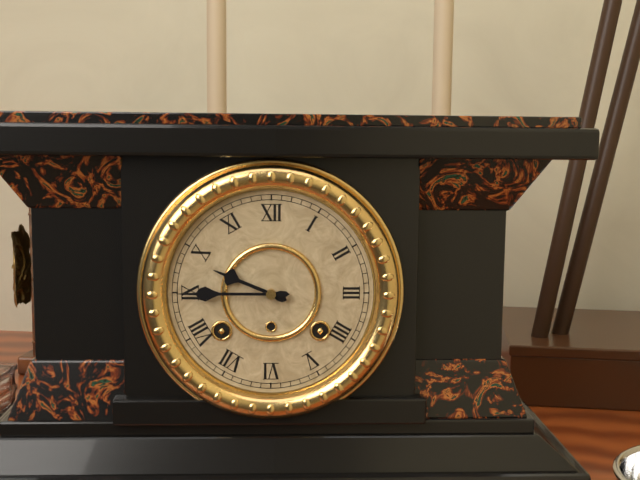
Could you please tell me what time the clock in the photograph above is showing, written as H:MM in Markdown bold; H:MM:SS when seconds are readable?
**9:45**
